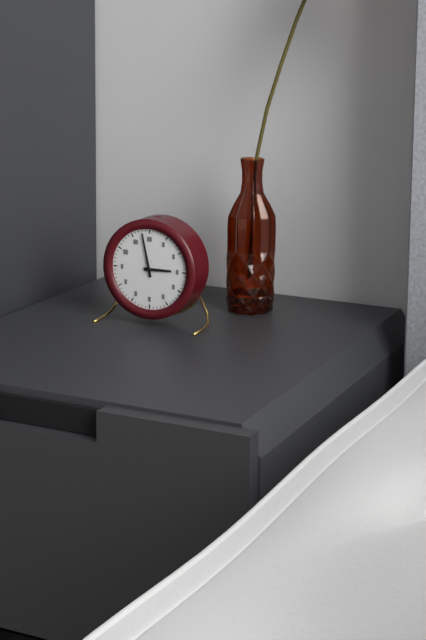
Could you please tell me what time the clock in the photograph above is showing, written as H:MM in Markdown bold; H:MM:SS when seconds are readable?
**2:58**
